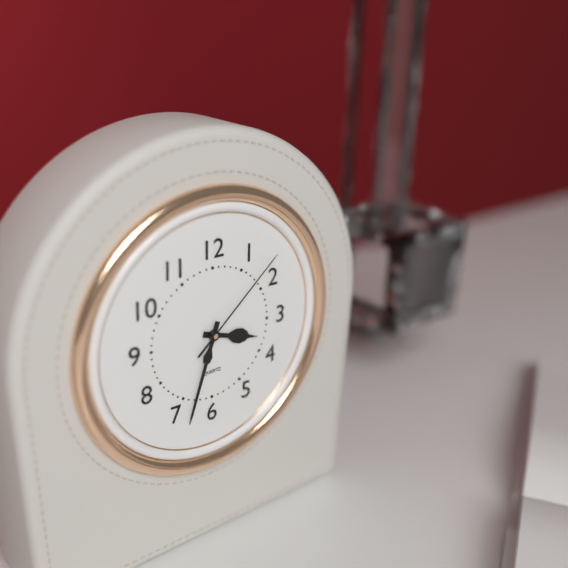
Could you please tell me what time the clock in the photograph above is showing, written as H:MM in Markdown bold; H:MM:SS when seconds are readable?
**3:33:08**
